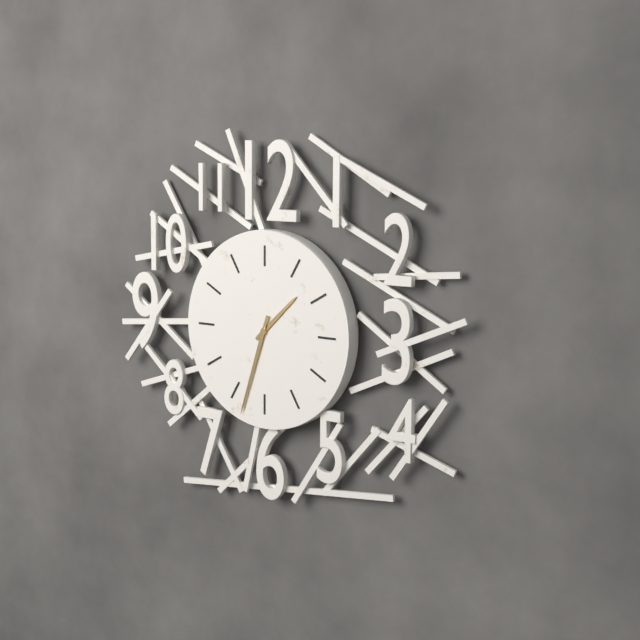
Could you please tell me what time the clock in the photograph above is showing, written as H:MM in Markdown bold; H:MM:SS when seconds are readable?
**1:33**
